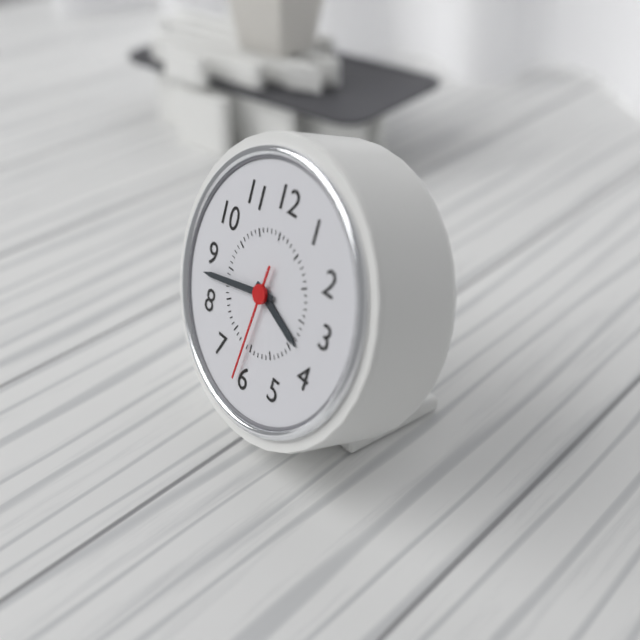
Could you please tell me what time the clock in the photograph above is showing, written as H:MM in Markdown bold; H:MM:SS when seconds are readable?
**3:43:31**
